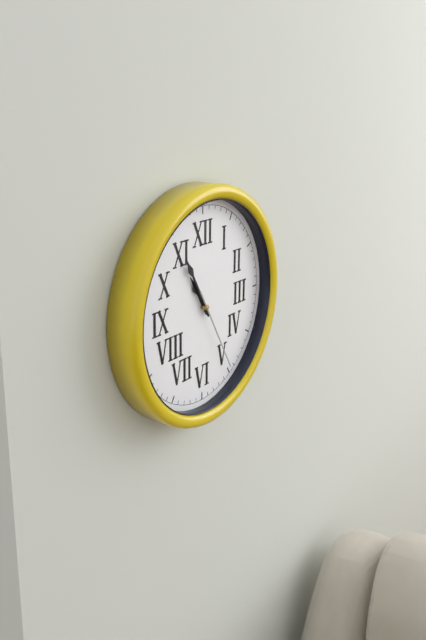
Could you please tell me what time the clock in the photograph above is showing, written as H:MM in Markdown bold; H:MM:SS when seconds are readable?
**10:55:25**
